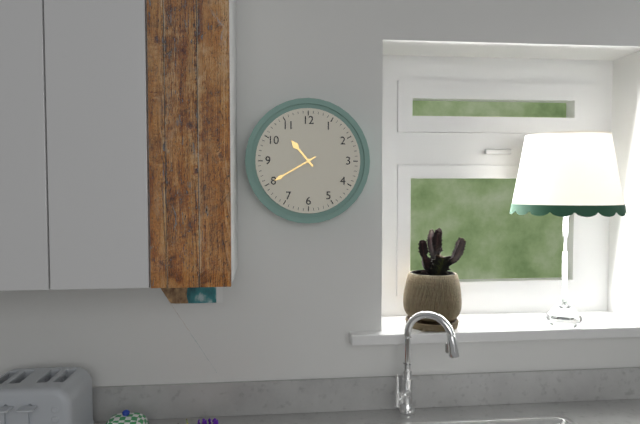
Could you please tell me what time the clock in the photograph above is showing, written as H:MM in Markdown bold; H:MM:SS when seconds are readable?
**10:40**
